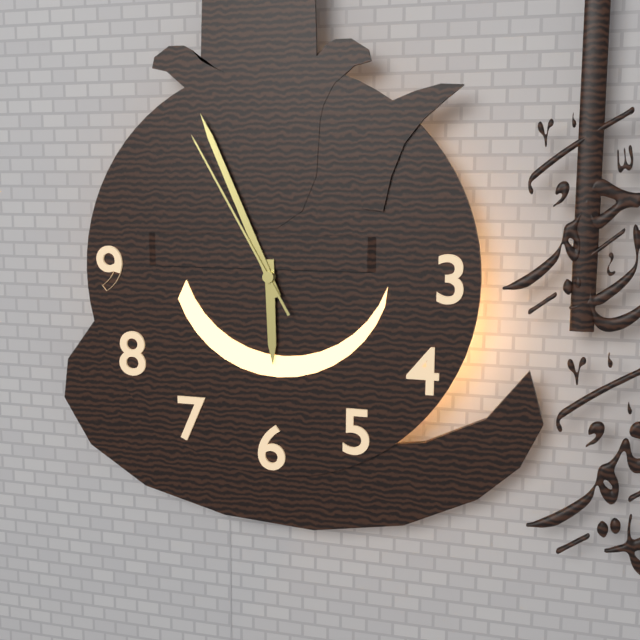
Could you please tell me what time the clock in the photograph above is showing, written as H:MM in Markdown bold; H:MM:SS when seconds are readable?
**5:56:55**
